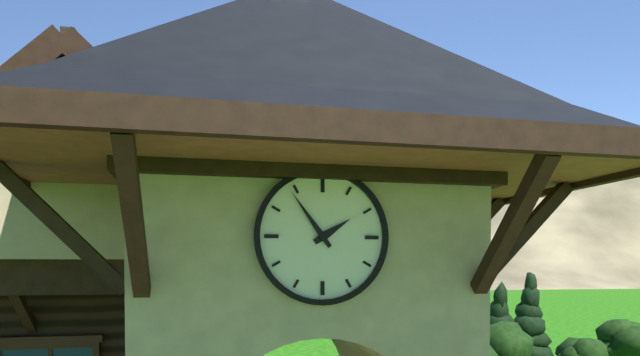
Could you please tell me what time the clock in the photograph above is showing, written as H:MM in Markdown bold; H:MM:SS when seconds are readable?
**1:54**
